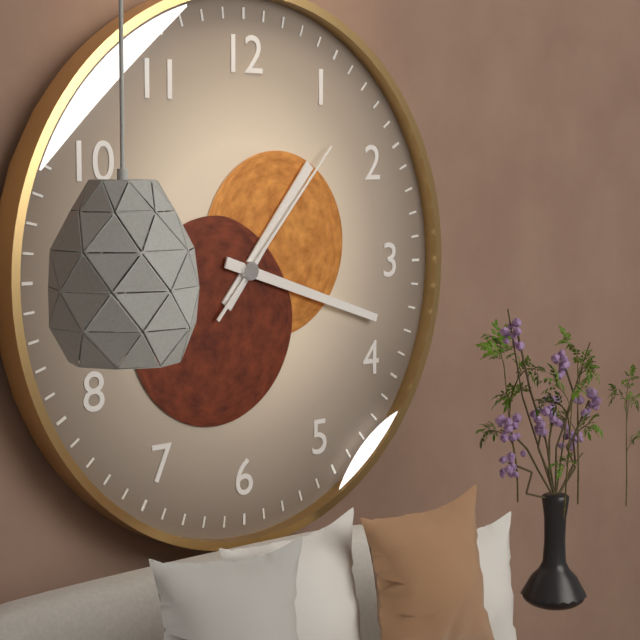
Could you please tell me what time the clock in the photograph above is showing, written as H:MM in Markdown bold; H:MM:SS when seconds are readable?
**1:18:07**
